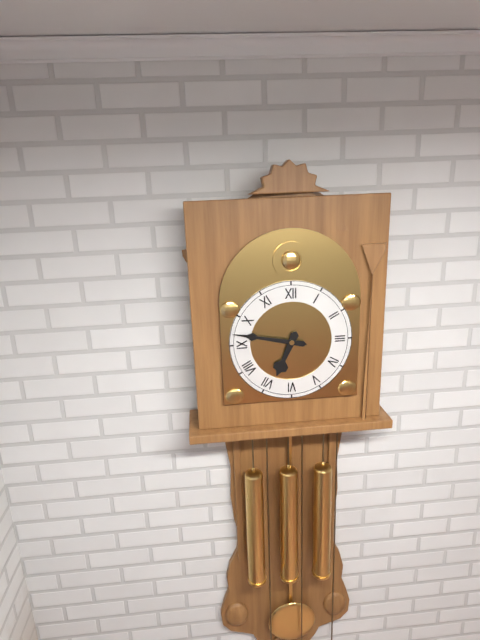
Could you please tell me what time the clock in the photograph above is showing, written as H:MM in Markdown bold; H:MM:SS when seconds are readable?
**6:47**
